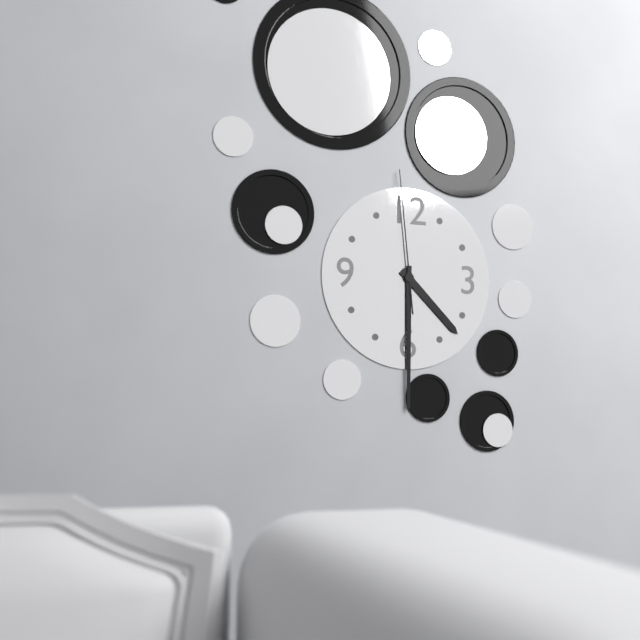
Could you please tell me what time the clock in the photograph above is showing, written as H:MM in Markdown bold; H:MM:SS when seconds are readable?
**4:30:59**
